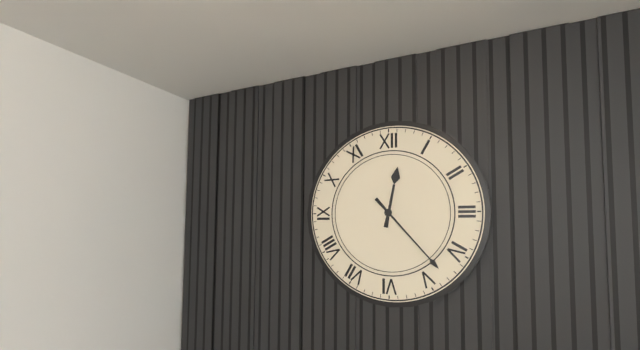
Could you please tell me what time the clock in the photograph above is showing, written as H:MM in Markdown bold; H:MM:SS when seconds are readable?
**12:23**
